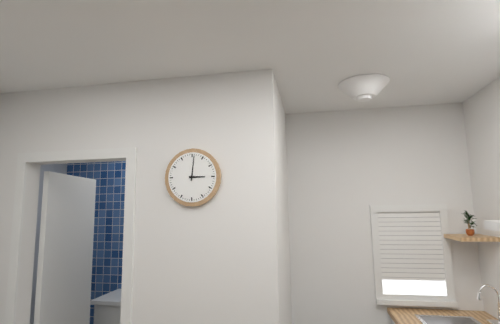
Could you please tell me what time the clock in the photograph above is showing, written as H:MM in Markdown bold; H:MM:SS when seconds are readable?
**3:01**
